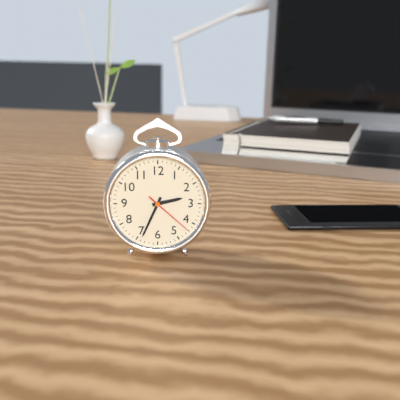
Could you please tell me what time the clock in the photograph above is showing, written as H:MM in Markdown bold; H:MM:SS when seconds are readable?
**2:34:22**
